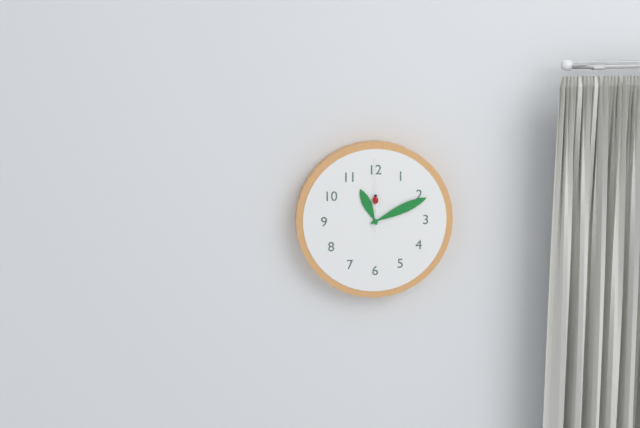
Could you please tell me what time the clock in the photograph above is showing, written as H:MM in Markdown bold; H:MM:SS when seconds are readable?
**11:11:00**
